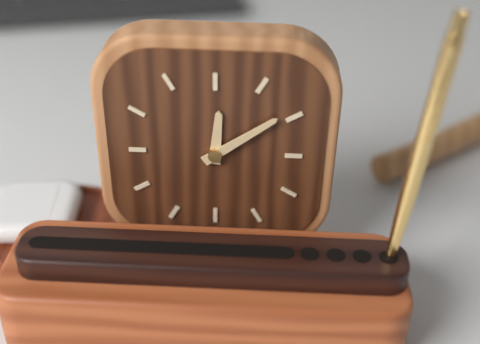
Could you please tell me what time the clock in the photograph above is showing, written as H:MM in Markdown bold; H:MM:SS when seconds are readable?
**12:09**
